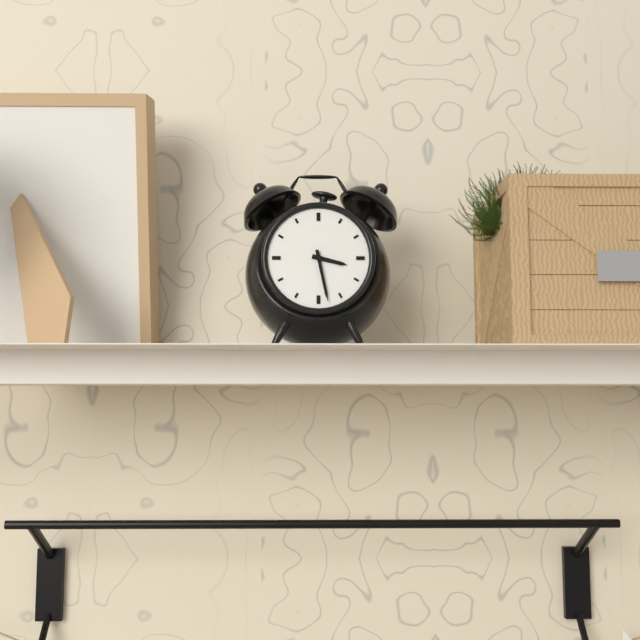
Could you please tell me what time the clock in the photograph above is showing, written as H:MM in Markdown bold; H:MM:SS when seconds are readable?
**3:28**
